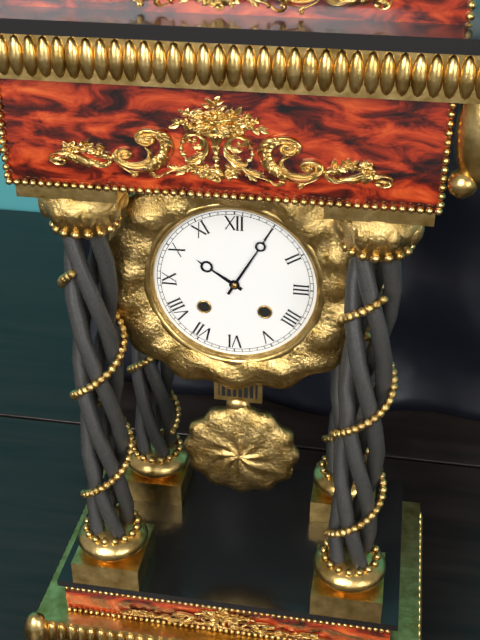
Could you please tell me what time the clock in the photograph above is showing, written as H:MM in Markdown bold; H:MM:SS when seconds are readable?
**10:05**
